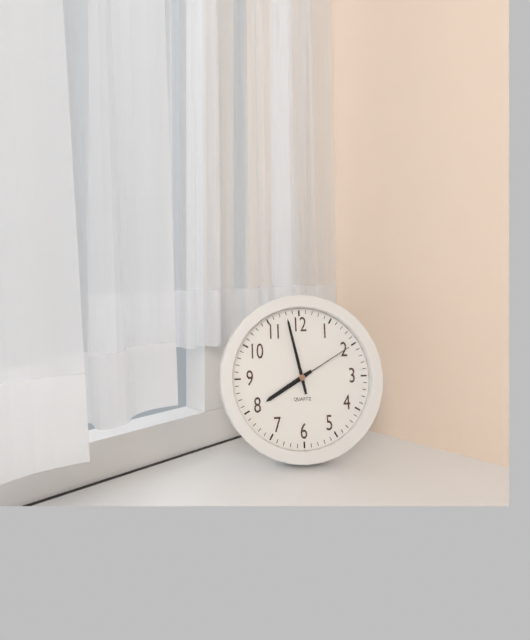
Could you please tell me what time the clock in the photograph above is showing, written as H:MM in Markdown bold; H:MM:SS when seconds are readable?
**7:58:10**
